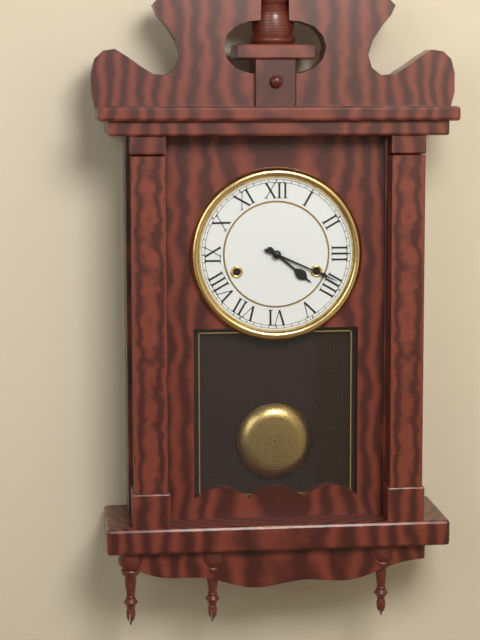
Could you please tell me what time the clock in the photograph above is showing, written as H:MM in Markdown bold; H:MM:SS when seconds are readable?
**4:19**
